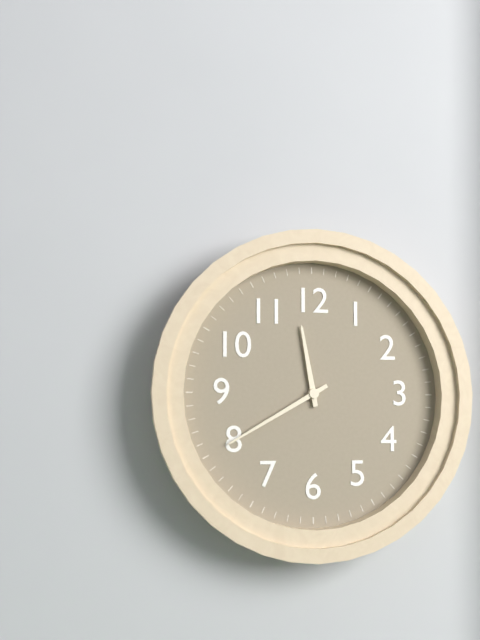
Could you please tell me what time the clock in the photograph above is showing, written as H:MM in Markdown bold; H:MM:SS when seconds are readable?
**11:40**
